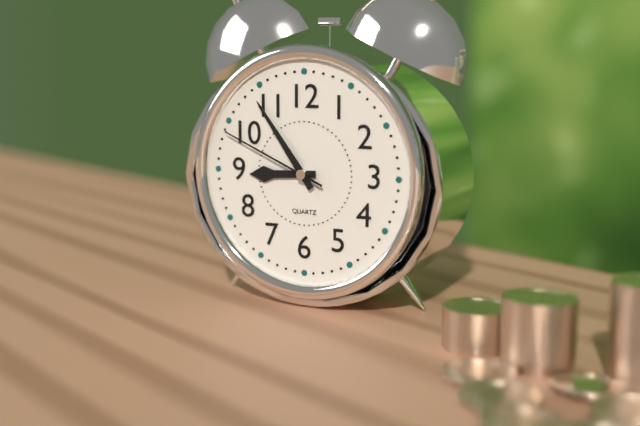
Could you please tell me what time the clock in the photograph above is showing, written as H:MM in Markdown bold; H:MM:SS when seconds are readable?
**8:54:49**
